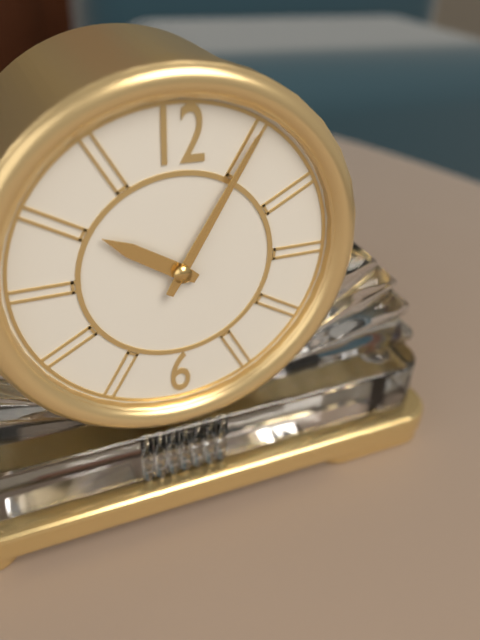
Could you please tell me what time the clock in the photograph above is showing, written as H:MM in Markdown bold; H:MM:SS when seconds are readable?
**10:05**
